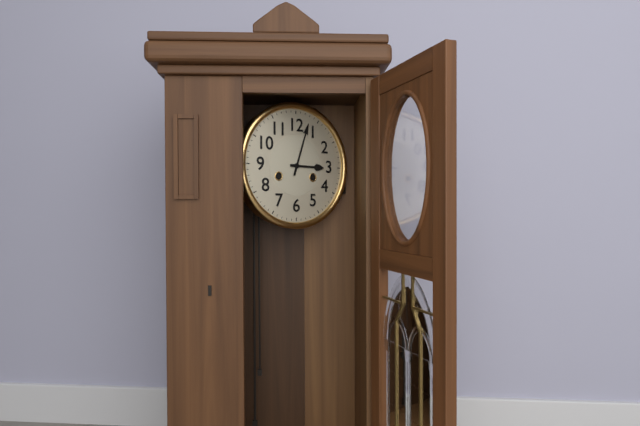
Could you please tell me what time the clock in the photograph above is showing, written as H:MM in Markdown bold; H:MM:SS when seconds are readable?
**3:03**
